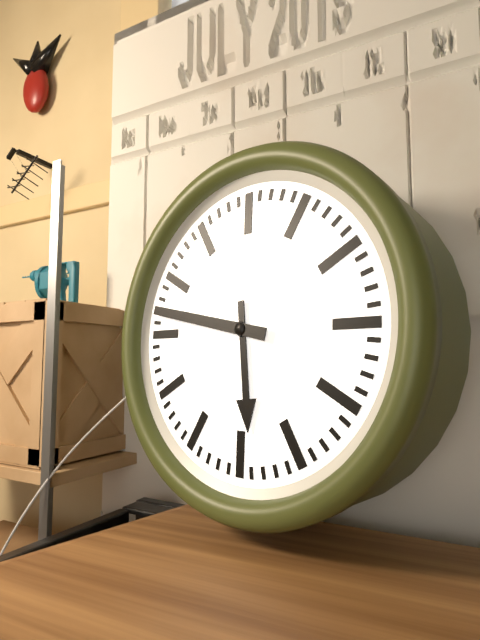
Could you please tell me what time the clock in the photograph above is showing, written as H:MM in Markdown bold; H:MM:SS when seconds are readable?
**5:47**
